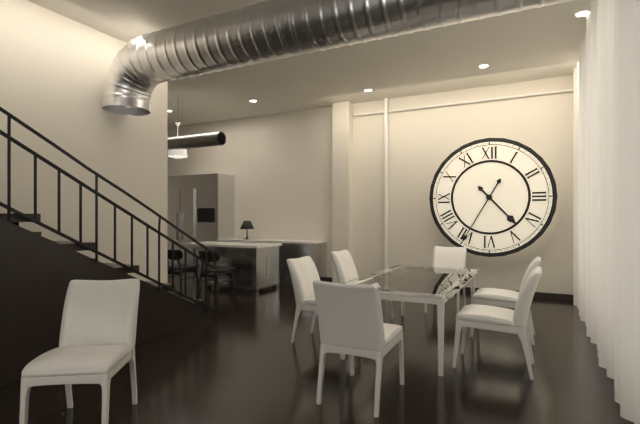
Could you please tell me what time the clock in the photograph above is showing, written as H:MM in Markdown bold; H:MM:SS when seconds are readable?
**4:35**
